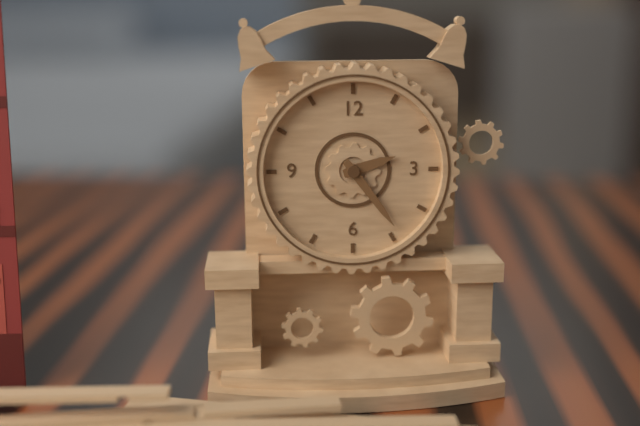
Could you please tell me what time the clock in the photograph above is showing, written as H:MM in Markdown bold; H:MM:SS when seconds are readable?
**2:24**
